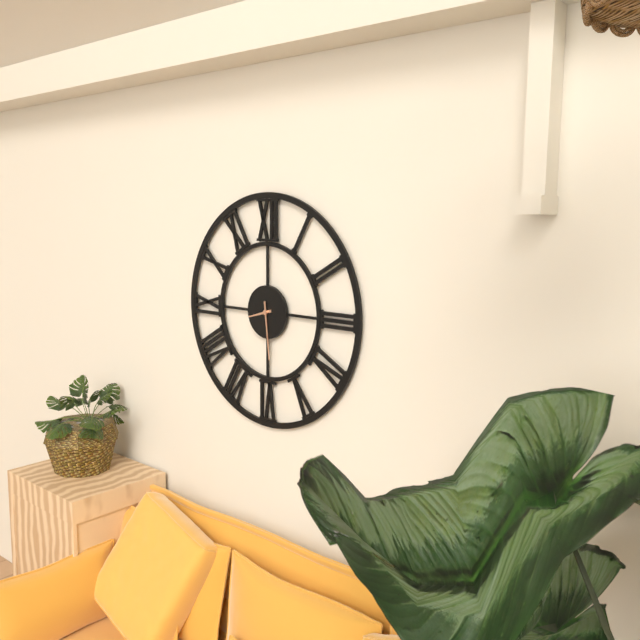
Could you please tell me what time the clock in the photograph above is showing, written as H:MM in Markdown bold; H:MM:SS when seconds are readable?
**8:29**
